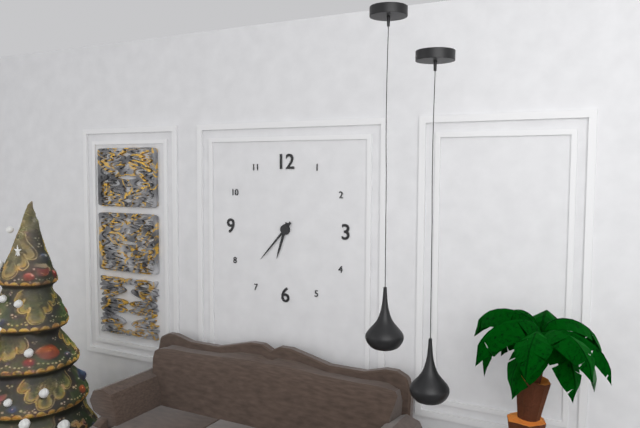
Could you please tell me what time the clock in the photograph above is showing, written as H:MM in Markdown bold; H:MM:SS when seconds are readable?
**6:37**
